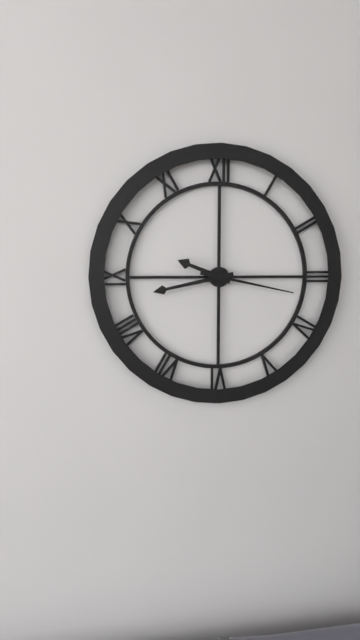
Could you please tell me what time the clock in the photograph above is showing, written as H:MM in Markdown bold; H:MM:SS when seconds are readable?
**9:43:17**
